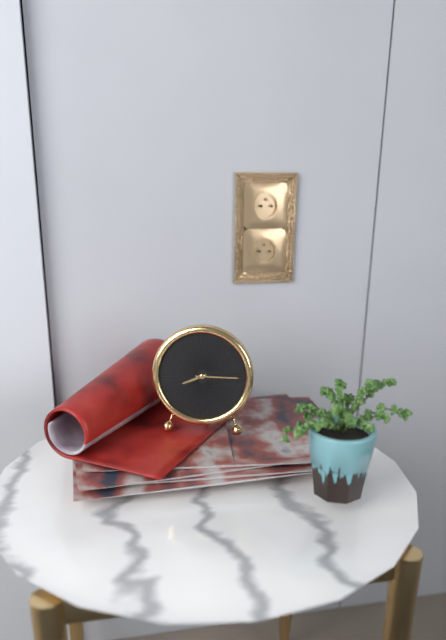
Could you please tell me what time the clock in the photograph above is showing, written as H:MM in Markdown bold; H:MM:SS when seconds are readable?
**8:15**
